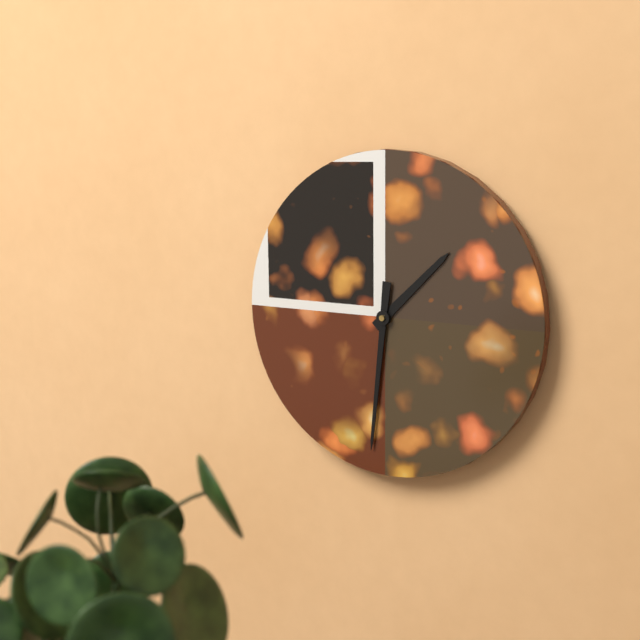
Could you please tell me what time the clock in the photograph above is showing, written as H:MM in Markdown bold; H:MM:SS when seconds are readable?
**1:31**
